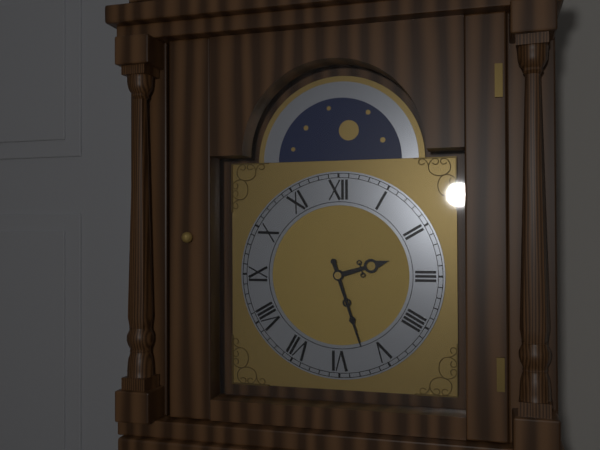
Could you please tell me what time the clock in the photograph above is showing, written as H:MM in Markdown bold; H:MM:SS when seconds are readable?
**2:27**
